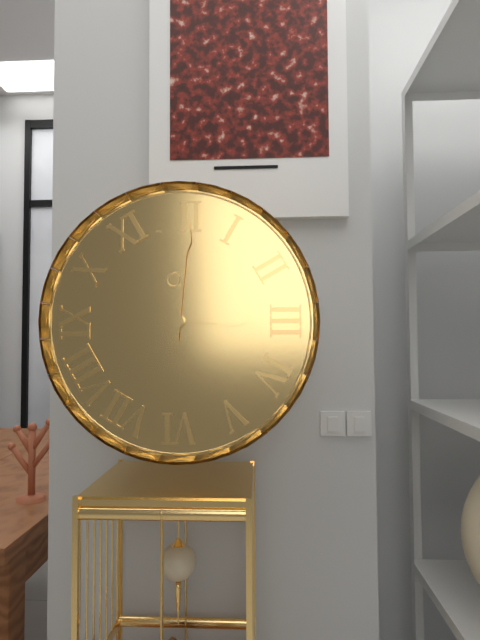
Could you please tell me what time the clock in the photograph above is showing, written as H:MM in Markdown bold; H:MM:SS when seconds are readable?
**3:01**
